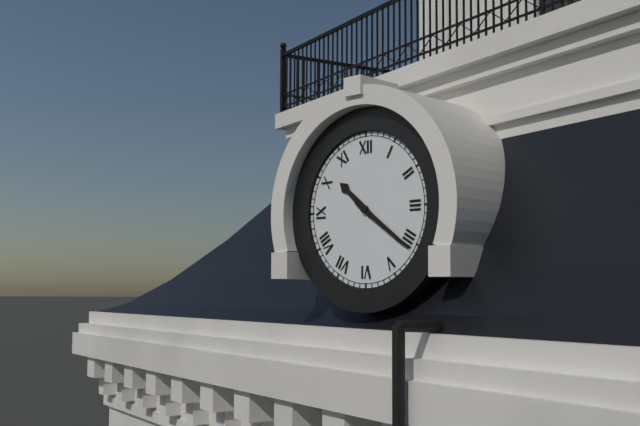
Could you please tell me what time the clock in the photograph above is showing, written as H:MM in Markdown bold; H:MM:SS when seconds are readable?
**10:21**
